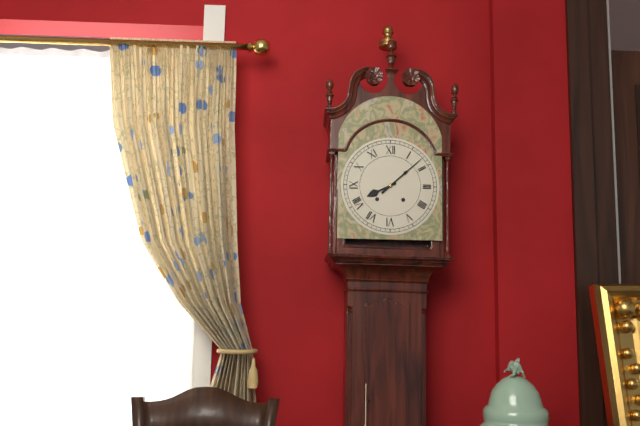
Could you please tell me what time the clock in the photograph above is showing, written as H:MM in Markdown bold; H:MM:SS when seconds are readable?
**8:08**
